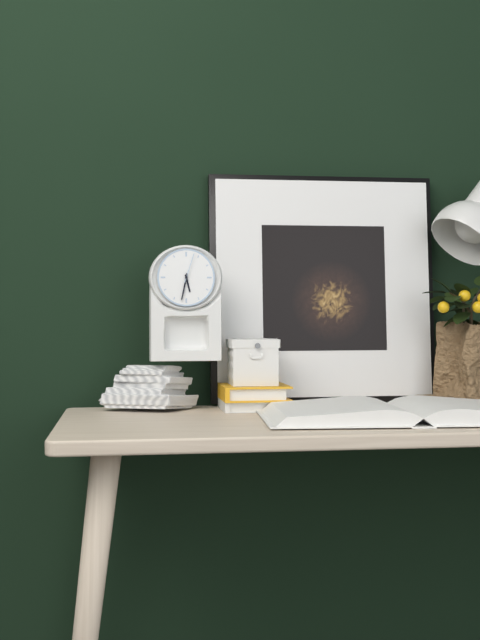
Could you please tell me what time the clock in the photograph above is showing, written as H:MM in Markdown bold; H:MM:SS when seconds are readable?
**5:32**
